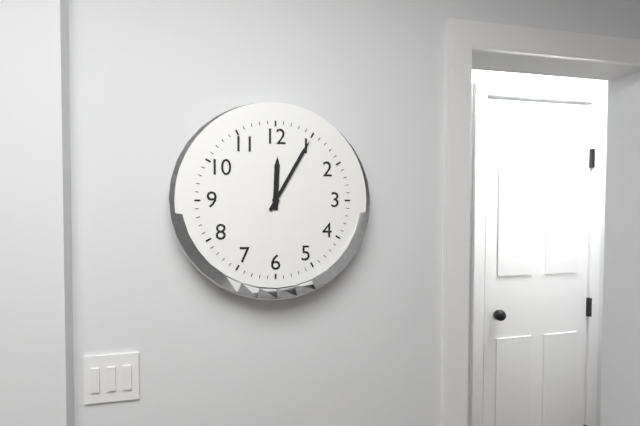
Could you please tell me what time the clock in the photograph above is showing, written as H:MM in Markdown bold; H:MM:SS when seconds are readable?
**12:05**
